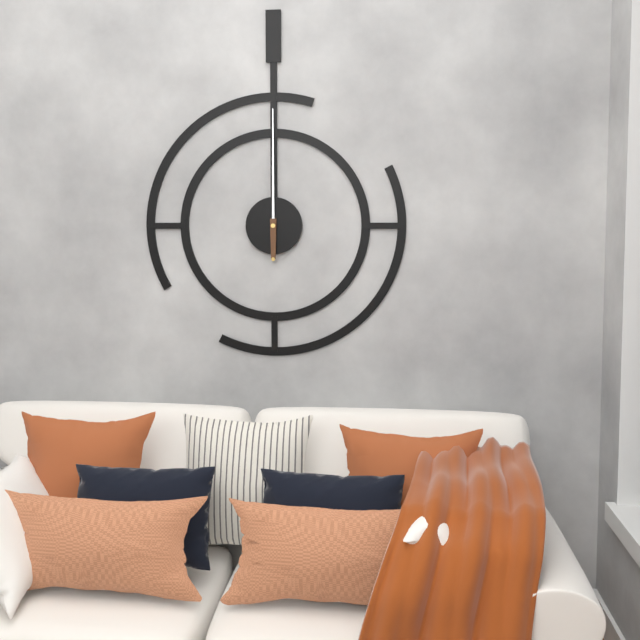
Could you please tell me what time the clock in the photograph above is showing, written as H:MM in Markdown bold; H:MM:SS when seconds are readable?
**12:00**
